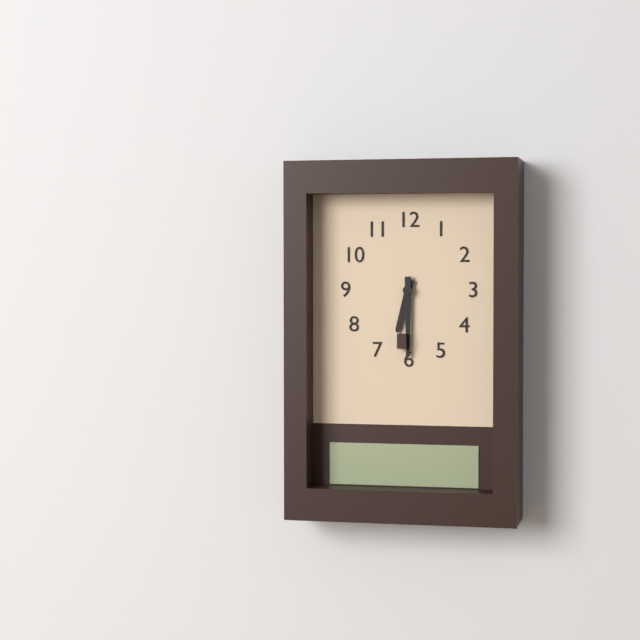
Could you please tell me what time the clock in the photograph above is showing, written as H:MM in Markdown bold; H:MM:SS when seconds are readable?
**6:30**
